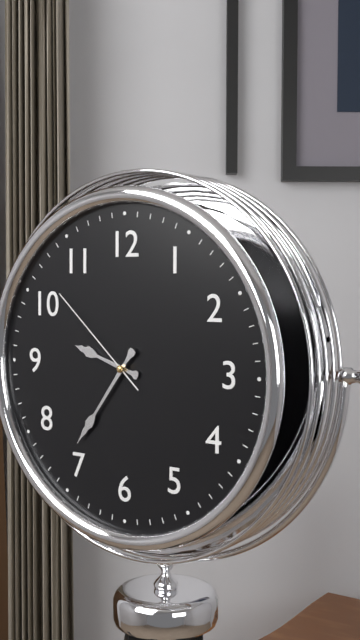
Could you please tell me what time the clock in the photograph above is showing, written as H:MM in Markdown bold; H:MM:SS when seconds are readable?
**9:36:52**
